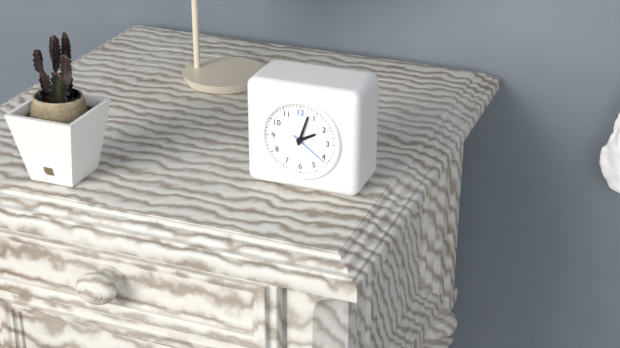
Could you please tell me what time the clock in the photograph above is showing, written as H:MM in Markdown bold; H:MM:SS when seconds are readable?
**2:03**
